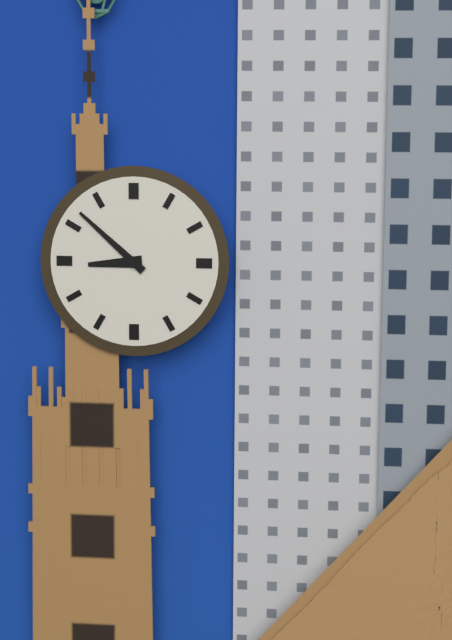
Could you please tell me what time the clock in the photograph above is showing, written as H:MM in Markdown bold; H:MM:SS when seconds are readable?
**8:52**
